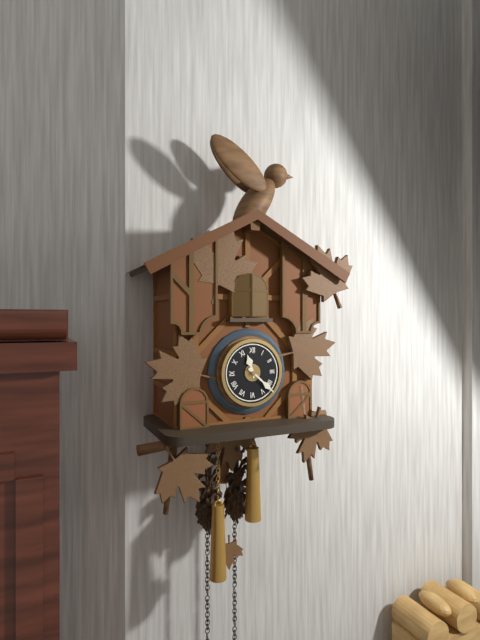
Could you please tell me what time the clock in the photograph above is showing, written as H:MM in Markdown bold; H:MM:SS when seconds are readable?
**11:22**
